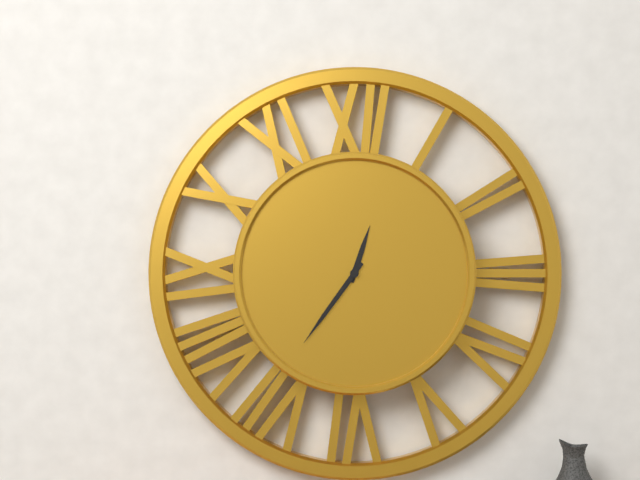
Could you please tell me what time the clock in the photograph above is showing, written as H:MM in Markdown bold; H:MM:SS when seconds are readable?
**12:36**
